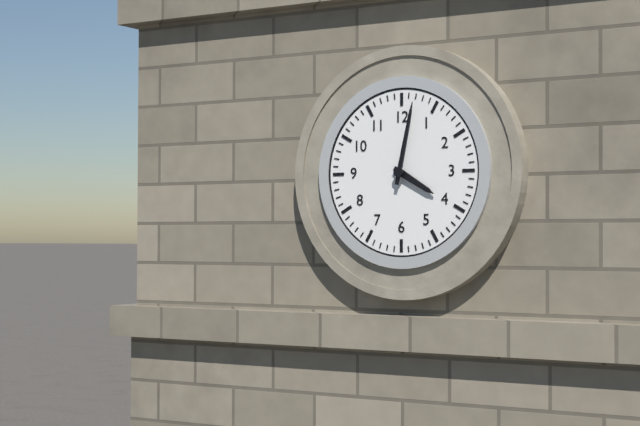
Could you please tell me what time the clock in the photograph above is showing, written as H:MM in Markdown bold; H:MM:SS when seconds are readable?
**4:02**
